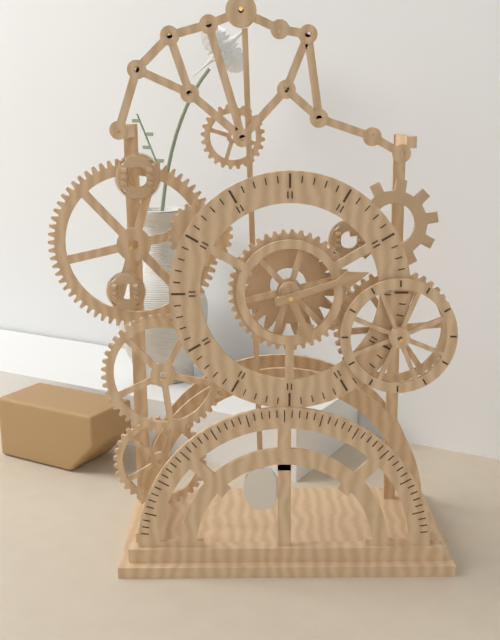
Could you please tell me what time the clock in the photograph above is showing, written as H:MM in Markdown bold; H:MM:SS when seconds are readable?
**5:12**
